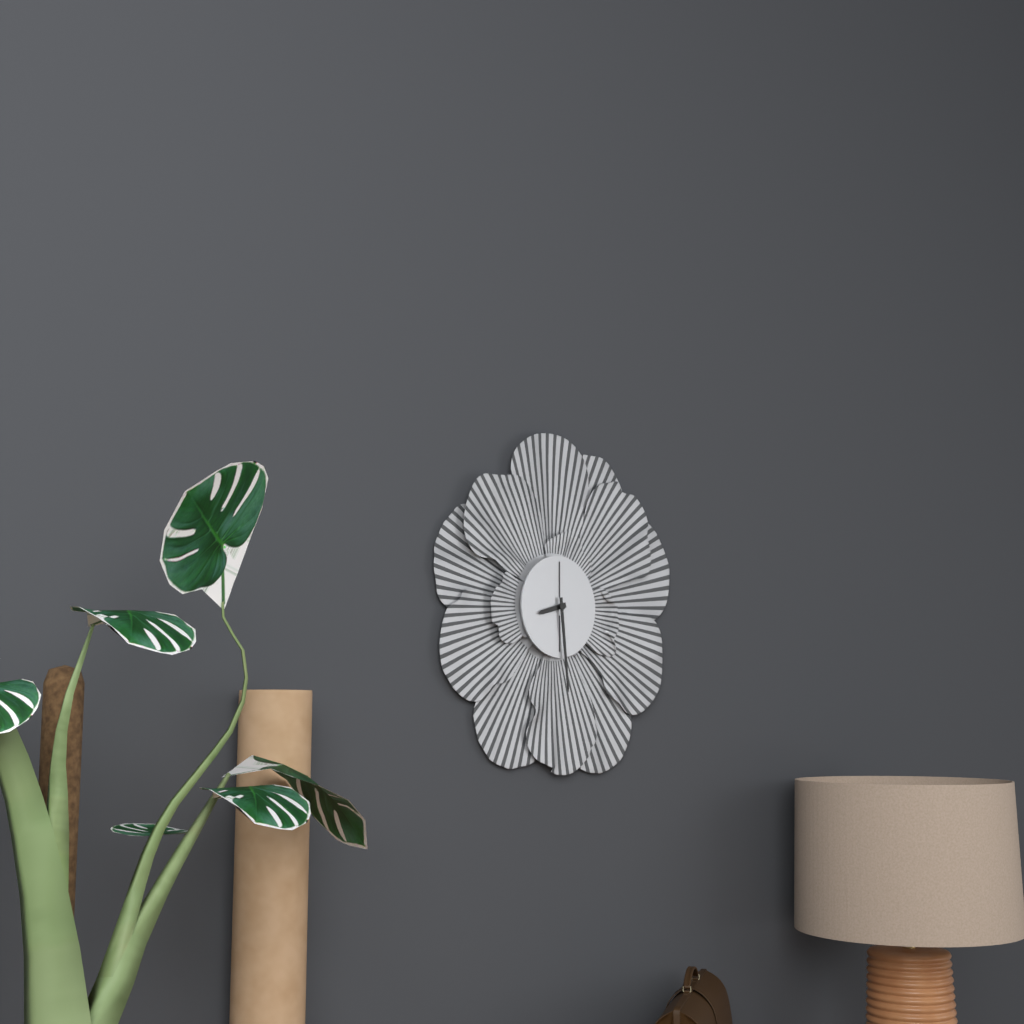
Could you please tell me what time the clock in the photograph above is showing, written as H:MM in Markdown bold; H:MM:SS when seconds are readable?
**8:29**
